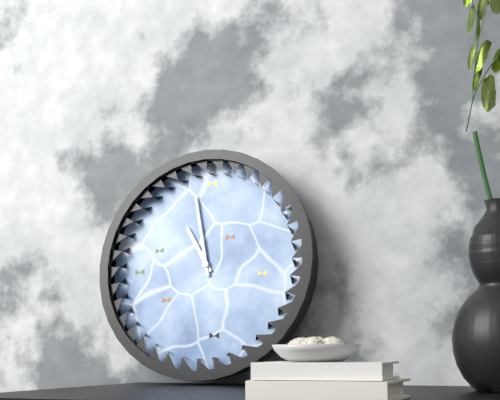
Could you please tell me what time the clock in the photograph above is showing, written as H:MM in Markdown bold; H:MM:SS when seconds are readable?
**10:58**
